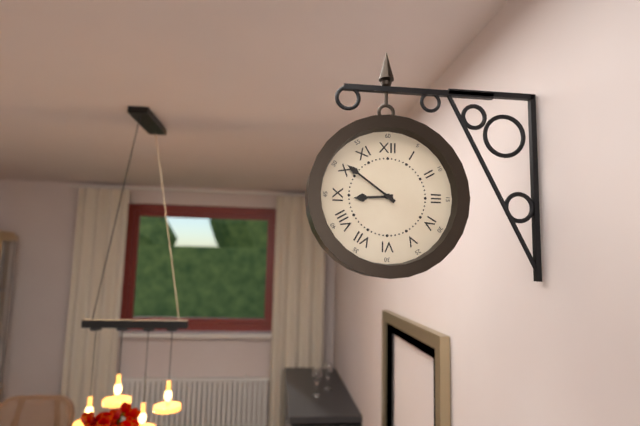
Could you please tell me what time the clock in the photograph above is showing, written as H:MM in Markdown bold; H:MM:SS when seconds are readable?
**8:51**
